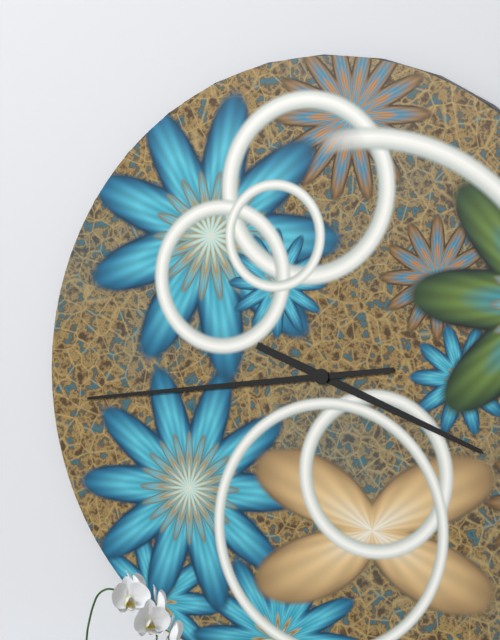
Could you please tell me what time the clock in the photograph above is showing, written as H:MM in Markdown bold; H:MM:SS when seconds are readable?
**3:44**
